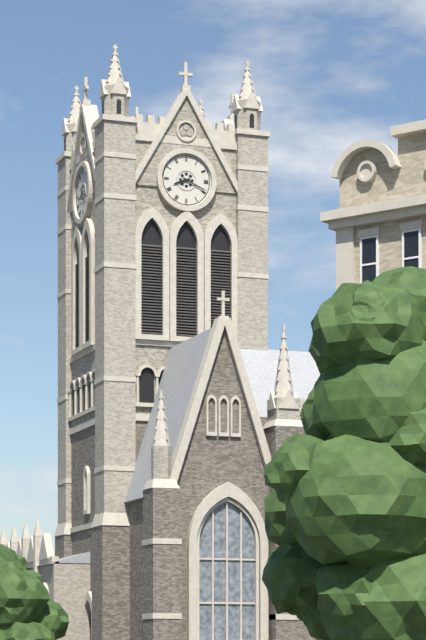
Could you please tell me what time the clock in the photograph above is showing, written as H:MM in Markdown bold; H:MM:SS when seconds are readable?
**8:19**
